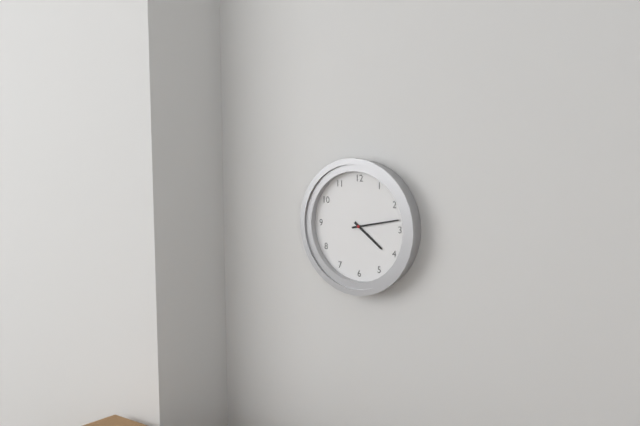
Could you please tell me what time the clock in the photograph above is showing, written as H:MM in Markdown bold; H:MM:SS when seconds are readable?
**4:13**
